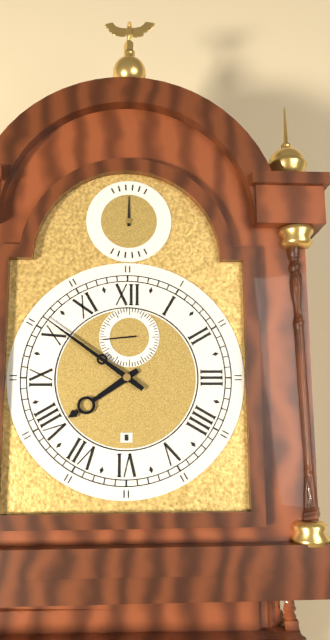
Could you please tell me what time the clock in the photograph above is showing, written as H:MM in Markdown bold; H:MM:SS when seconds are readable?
**7:51**
